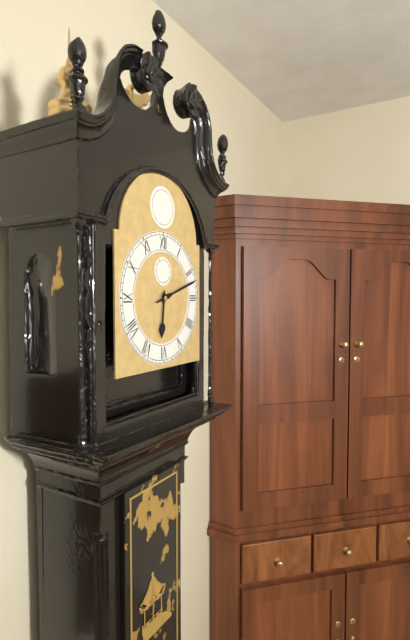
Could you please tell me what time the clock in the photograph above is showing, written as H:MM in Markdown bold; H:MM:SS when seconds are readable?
**6:12**
